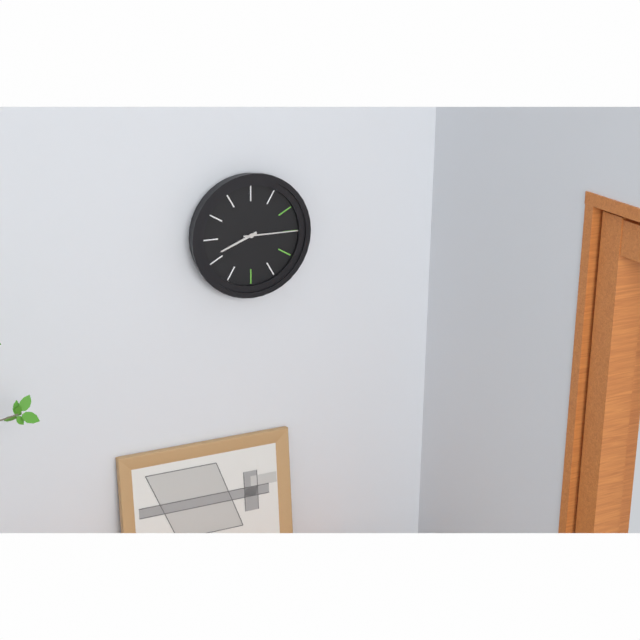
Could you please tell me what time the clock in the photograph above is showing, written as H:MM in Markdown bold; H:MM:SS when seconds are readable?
**8:15**
